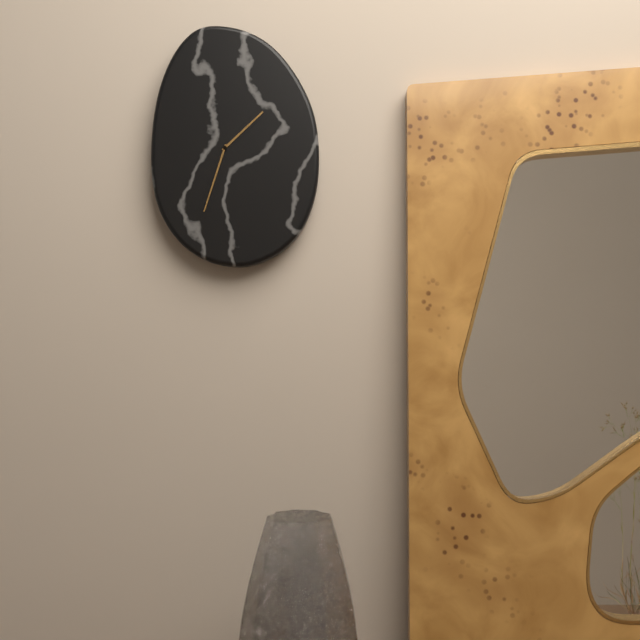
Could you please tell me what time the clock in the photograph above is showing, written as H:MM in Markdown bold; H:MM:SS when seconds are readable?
**1:33**
